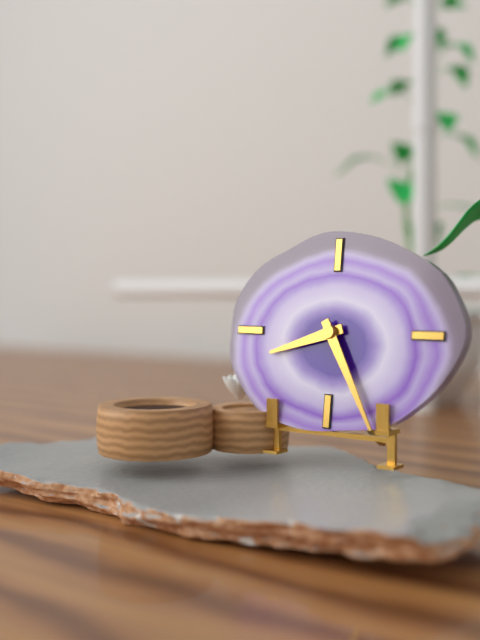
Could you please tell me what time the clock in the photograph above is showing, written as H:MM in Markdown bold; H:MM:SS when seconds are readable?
**8:25**
